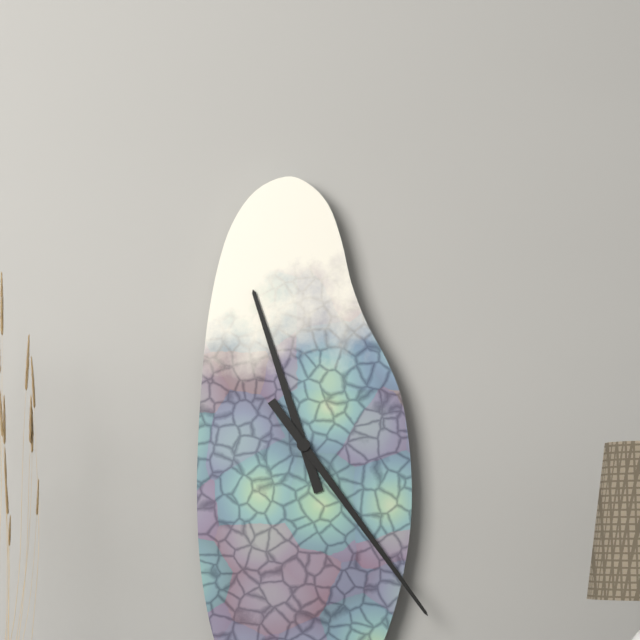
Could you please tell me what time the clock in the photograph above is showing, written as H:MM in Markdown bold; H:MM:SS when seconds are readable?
**11:24**
